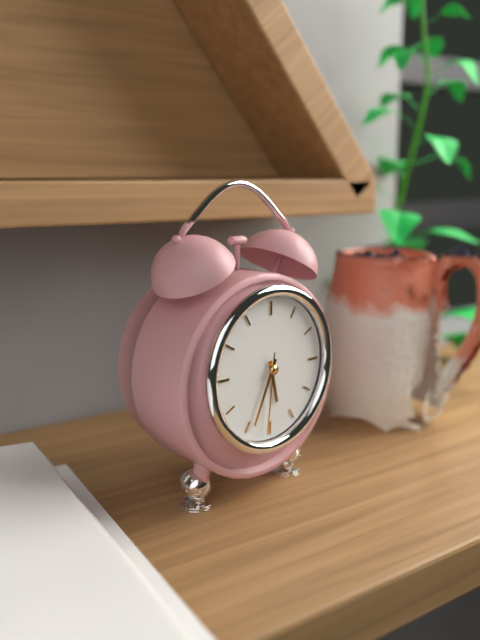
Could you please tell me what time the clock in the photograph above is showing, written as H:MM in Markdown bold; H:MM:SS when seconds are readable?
**5:34:31**
